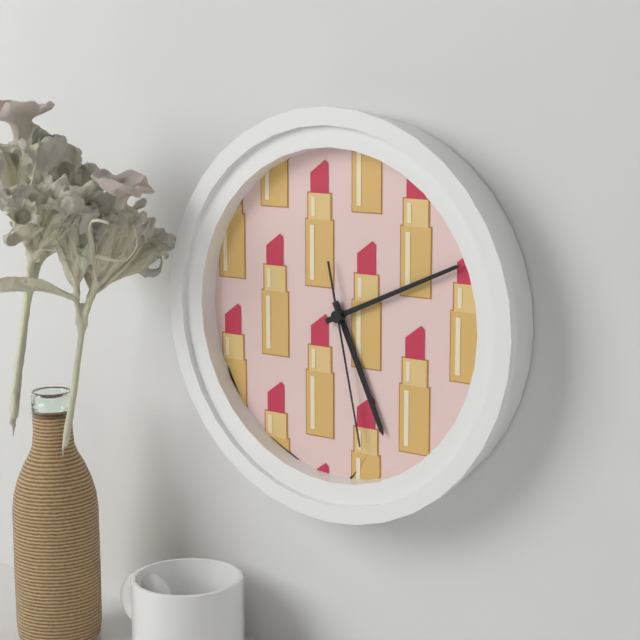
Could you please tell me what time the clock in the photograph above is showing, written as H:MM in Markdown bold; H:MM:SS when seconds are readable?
**5:11:28**
